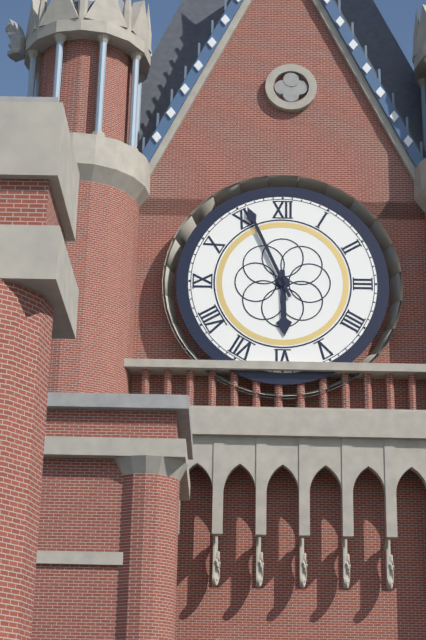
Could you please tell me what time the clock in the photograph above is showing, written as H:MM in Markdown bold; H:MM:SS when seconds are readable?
**5:56**
